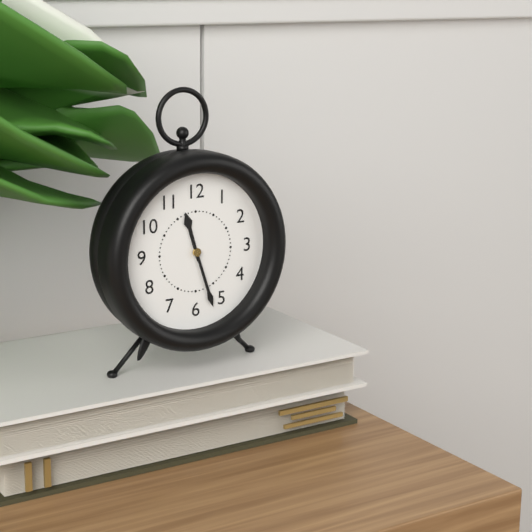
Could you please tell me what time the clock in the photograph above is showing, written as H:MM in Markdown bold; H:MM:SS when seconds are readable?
**11:27**
